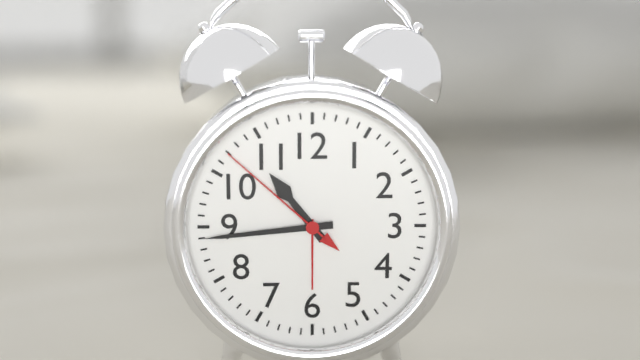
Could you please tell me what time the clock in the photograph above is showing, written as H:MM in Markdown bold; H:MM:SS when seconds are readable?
**10:44:52**
